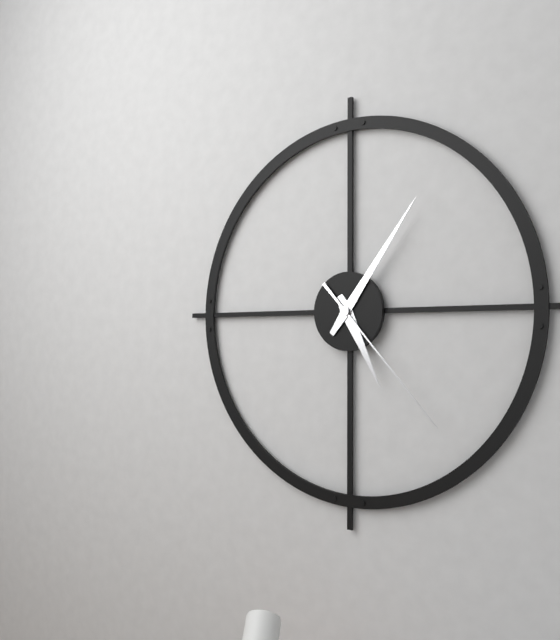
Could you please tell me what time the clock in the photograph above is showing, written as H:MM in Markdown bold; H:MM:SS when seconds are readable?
**5:06:23**
